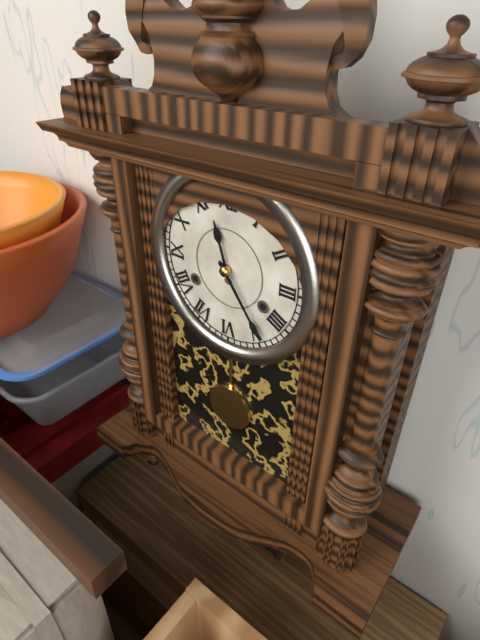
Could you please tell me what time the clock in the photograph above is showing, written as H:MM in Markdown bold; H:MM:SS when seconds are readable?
**11:24**
